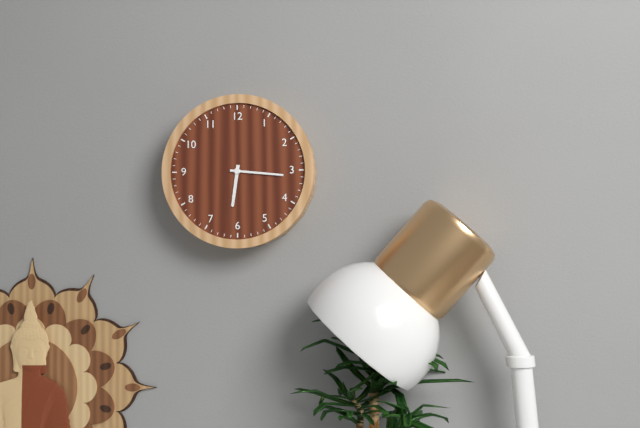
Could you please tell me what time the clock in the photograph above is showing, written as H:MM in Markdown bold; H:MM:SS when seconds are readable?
**6:16**
